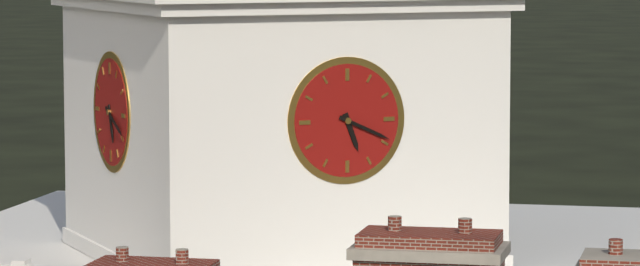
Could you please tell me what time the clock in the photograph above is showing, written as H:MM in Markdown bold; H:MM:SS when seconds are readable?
**5:19**
